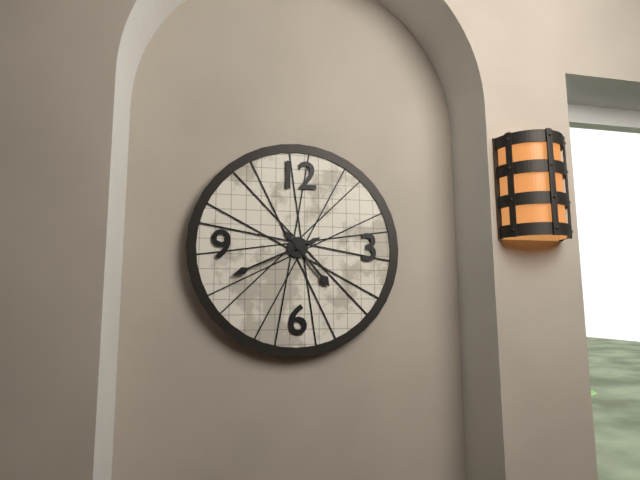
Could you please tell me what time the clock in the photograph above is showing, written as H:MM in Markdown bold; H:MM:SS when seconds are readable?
**4:41**
